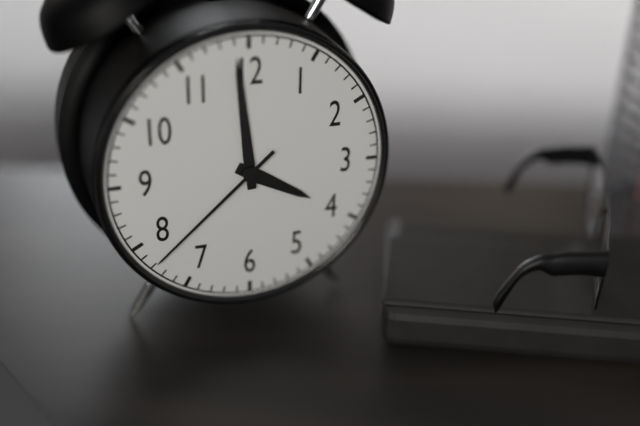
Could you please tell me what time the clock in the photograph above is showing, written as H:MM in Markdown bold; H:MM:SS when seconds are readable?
**3:59:38**
